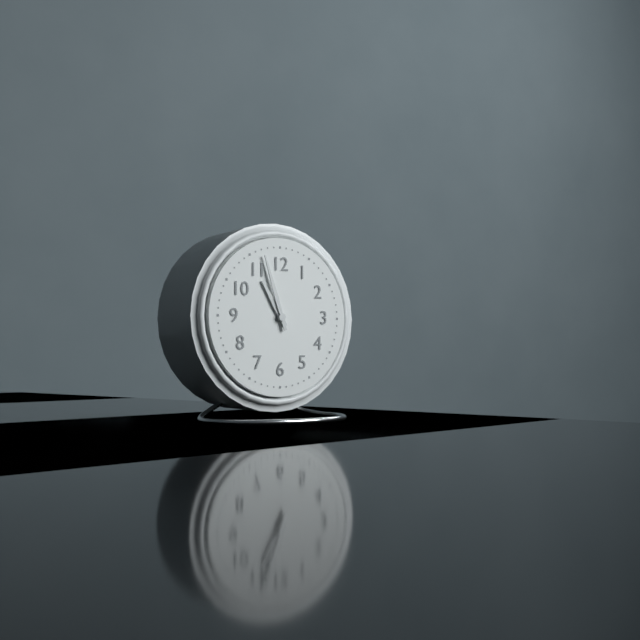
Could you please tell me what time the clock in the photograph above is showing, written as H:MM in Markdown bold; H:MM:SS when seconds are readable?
**10:57**
